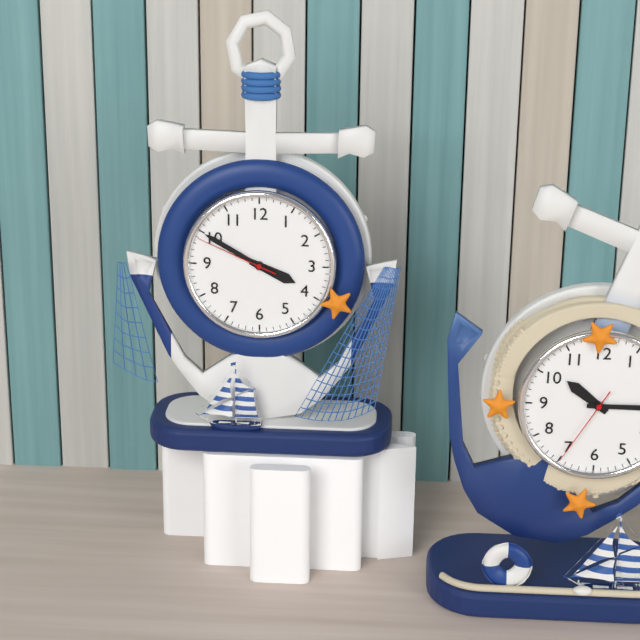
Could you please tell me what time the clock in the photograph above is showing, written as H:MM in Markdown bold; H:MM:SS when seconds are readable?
**3:50:49**
